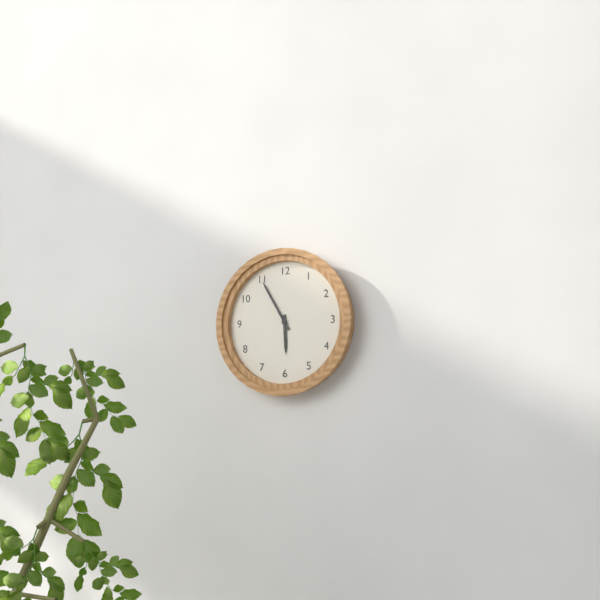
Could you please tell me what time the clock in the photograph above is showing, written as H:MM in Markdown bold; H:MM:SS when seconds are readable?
**5:55**
